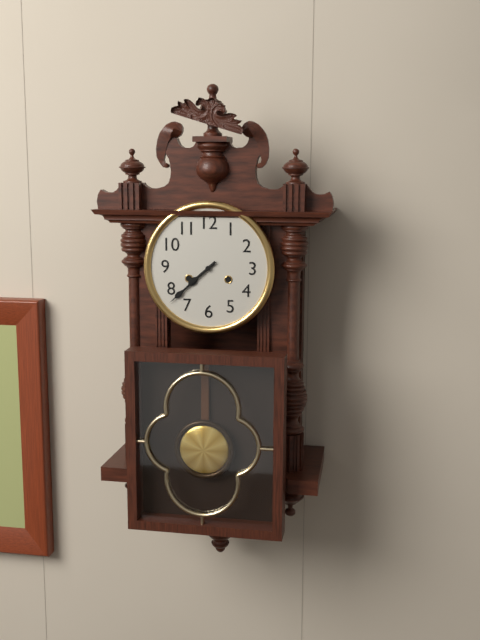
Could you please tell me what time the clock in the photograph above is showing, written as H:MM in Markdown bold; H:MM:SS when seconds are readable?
**7:38**
